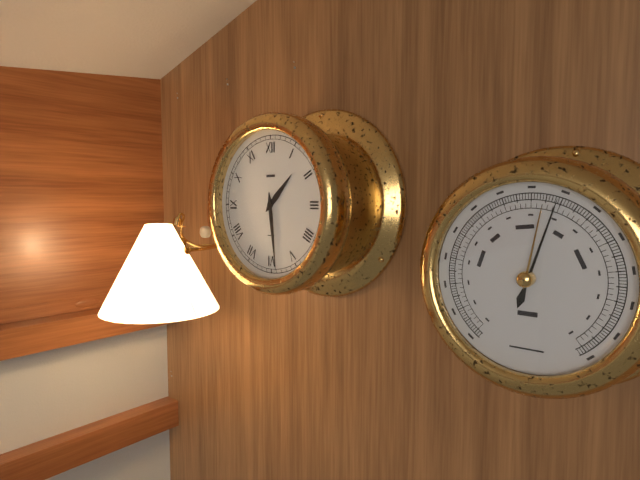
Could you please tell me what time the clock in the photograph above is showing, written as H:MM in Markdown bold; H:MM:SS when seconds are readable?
**1:29**
